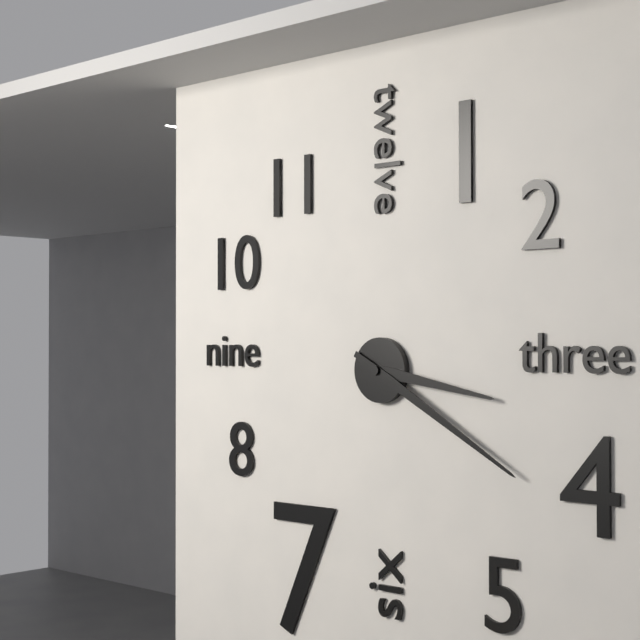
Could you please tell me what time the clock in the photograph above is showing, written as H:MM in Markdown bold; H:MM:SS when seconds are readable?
**3:20**
